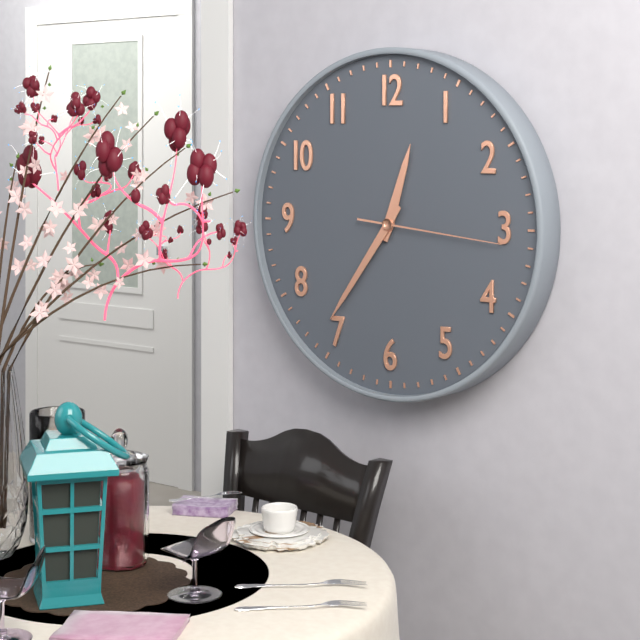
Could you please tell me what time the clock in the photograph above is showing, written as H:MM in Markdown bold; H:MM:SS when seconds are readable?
**12:36:16**
